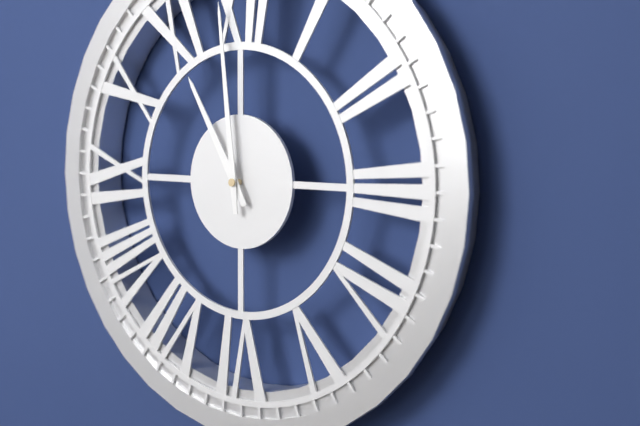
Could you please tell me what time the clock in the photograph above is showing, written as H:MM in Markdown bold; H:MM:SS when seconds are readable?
**10:59**
